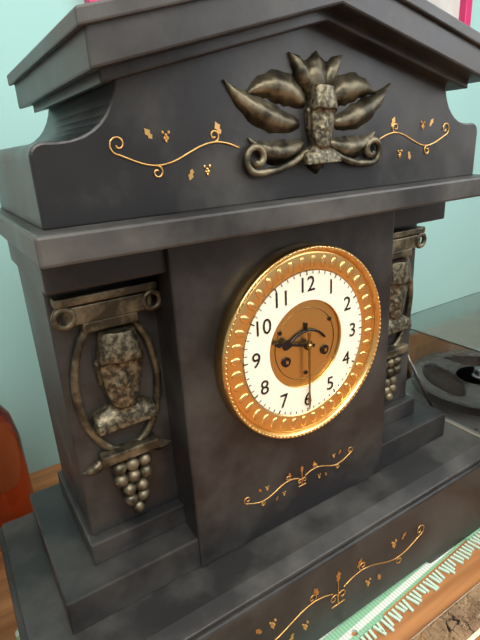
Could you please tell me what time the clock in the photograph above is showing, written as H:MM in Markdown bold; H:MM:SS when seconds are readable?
**9:30**
